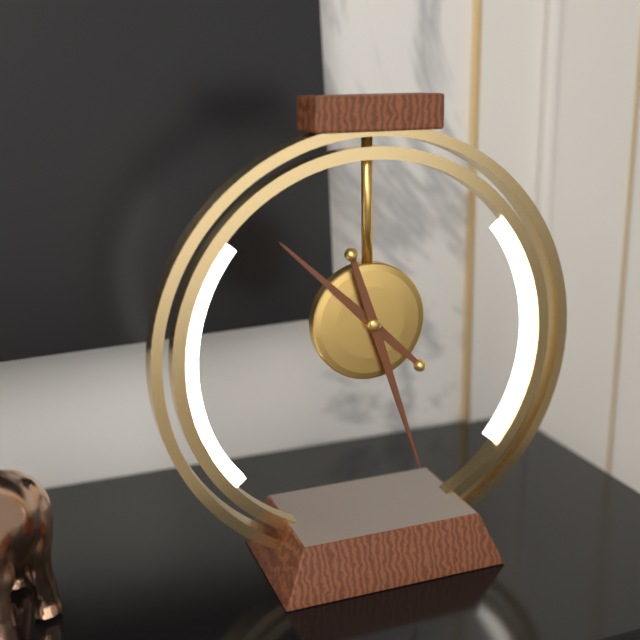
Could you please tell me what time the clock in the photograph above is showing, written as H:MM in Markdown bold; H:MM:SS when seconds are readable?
**10:27**
